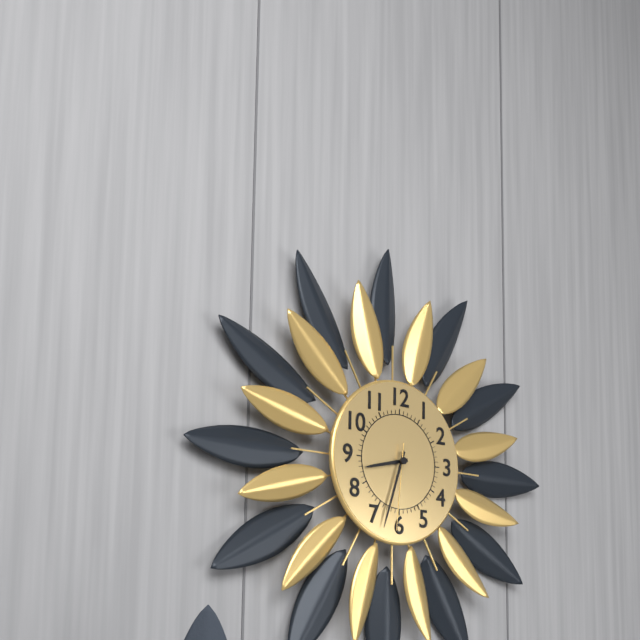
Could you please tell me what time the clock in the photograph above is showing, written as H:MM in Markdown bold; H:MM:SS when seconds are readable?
**8:33:31**
